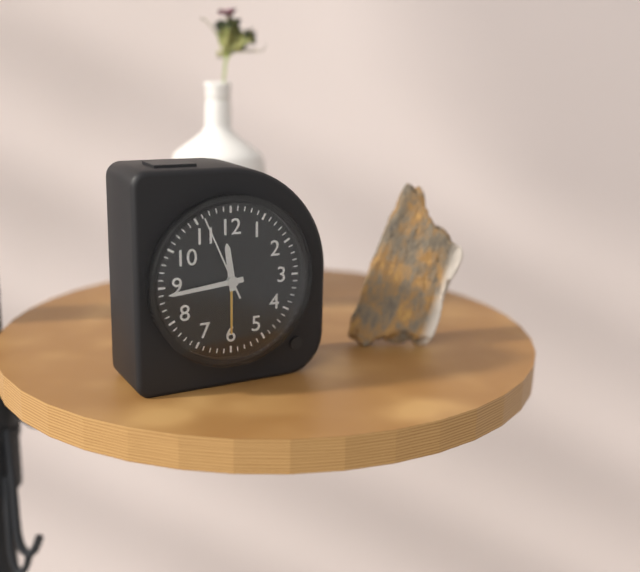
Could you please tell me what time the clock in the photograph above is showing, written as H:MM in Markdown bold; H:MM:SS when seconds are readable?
**11:44:56**
